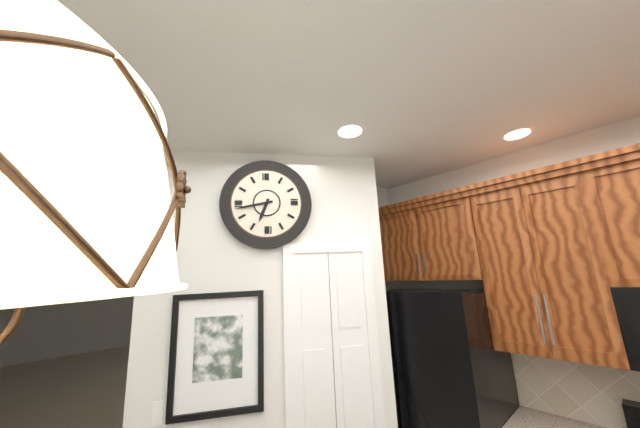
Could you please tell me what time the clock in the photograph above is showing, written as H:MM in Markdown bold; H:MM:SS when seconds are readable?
**6:43**
